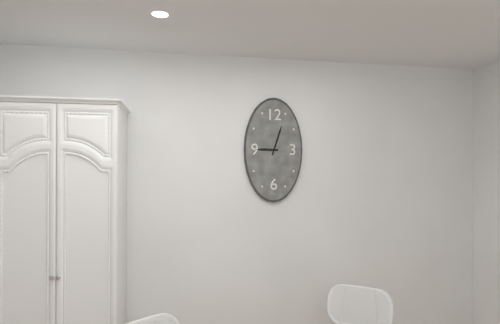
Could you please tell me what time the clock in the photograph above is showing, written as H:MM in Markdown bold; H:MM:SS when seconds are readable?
**9:03**
